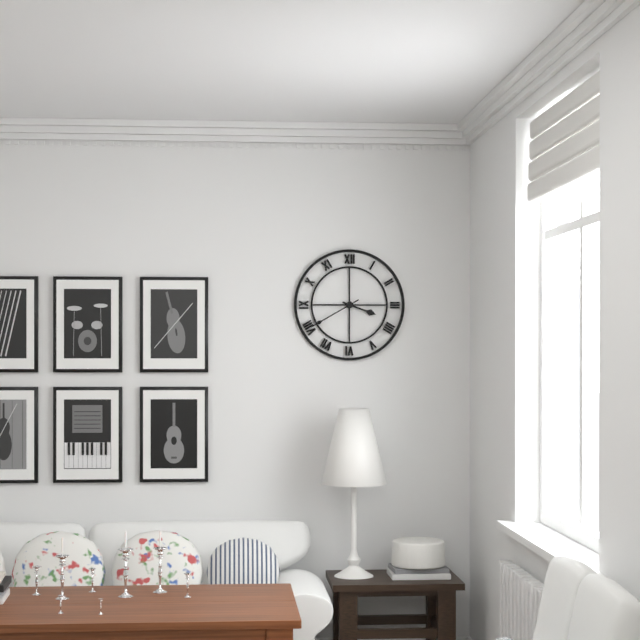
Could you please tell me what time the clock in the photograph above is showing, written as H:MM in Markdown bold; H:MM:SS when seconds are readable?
**3:40**
